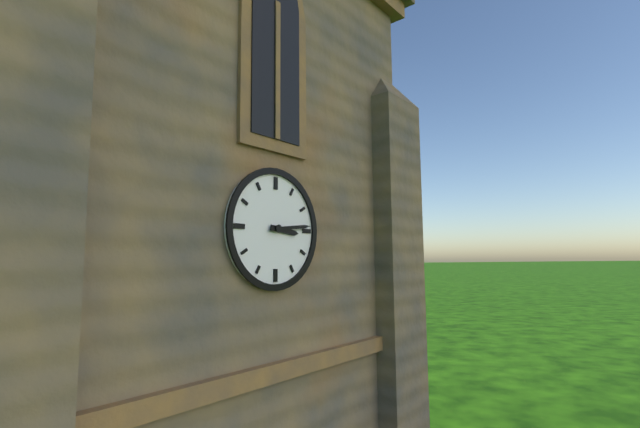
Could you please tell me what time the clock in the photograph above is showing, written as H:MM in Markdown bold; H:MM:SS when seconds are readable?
**3:14**
